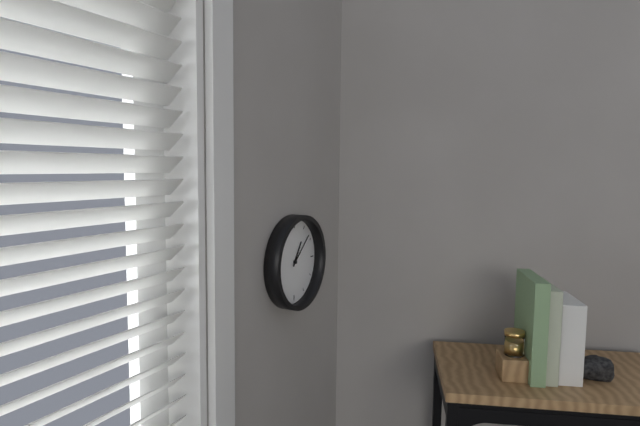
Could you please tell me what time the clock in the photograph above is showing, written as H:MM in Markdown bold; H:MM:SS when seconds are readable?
**1:08**
